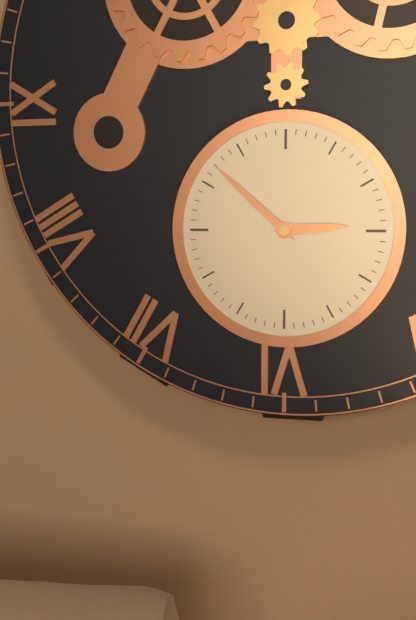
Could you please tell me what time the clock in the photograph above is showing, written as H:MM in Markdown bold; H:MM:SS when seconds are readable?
**2:52**
